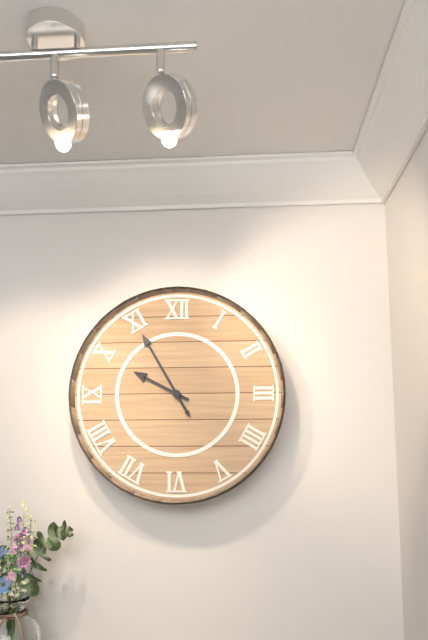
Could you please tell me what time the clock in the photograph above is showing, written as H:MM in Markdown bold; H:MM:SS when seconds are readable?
**9:55**
